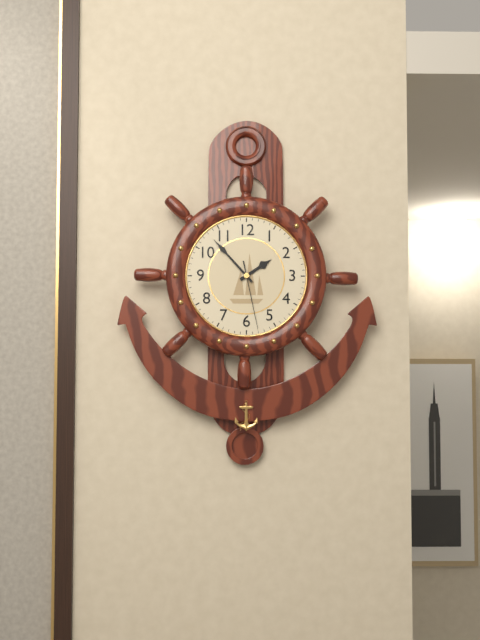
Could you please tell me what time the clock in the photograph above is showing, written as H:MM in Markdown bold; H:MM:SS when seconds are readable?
**1:53:28**
